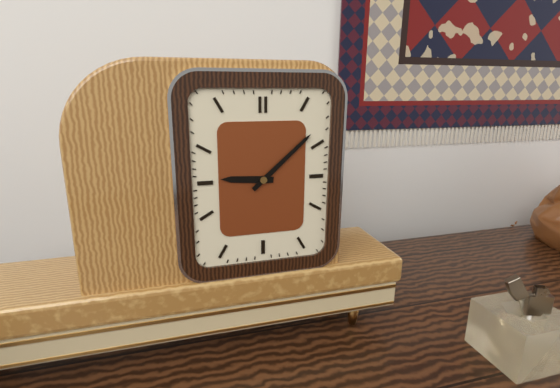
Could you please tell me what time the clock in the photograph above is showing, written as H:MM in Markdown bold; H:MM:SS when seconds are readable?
**9:08**
